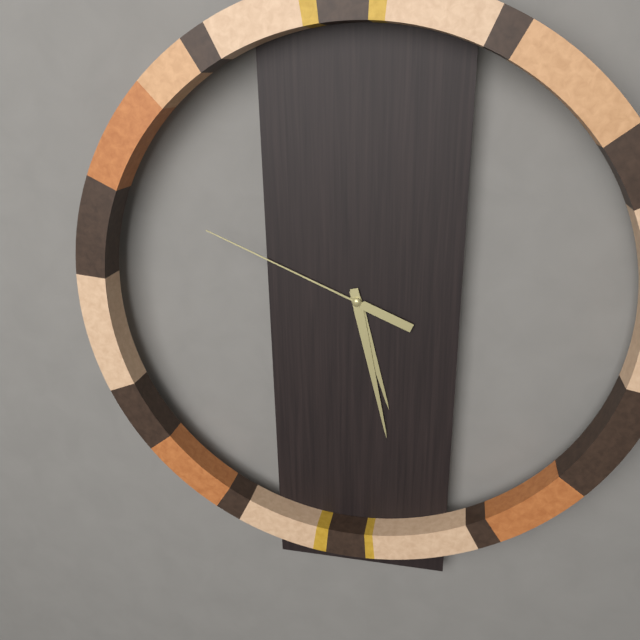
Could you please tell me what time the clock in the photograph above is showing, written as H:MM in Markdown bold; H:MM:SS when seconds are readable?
**5:28:49**
